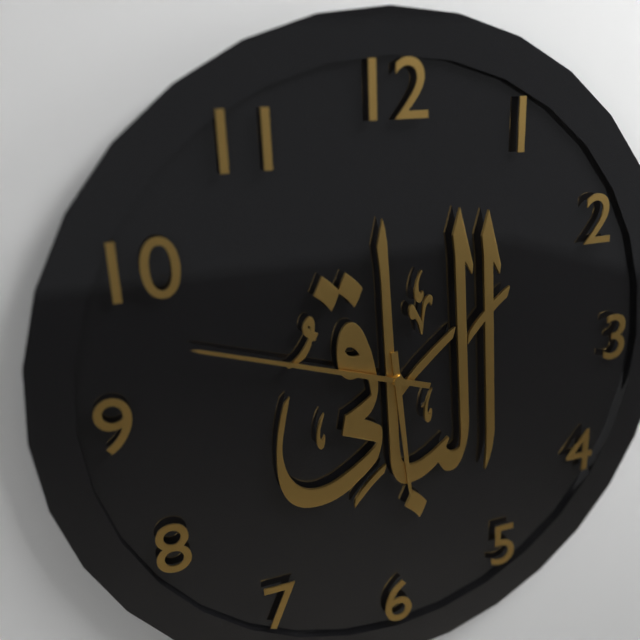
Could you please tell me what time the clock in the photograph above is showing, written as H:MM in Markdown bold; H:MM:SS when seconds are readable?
**5:48**
